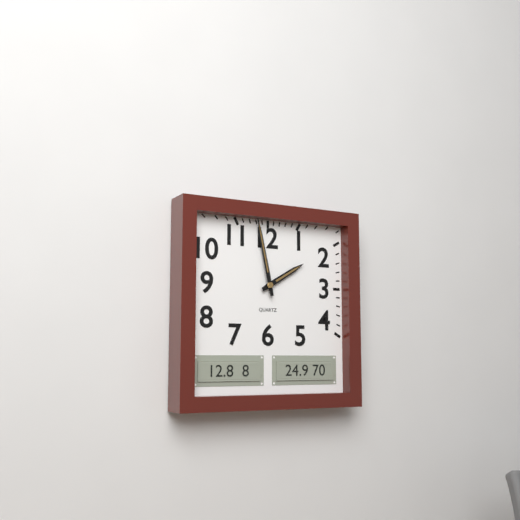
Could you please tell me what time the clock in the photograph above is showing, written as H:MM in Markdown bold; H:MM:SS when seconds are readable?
**1:58**
